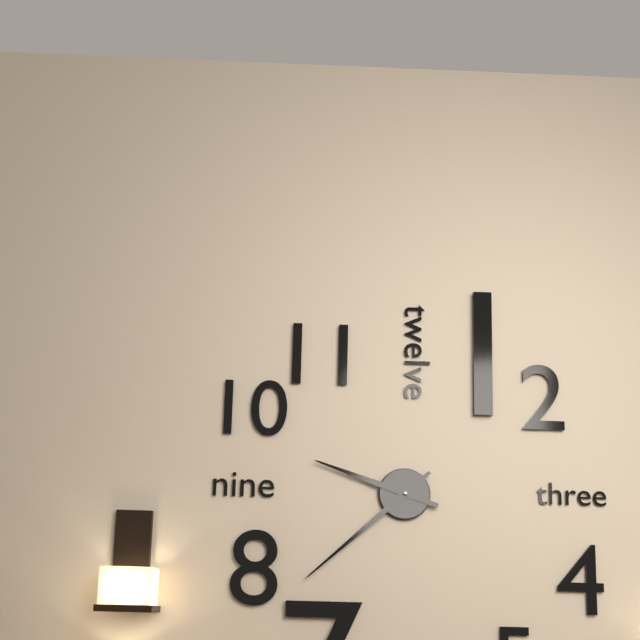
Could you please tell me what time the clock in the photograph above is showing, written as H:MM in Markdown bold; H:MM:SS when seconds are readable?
**9:38**
